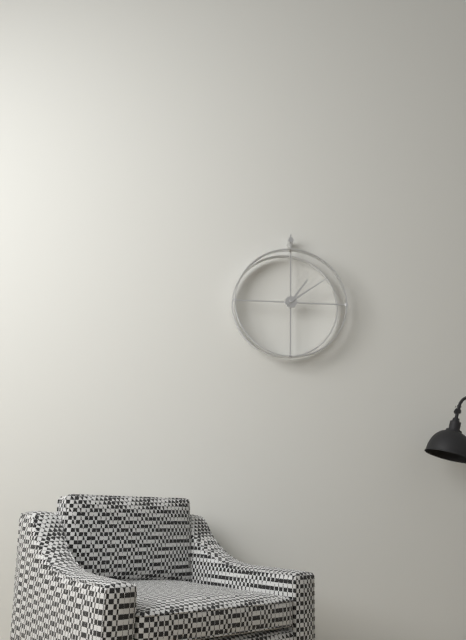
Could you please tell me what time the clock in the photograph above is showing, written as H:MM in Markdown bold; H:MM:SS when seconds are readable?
**1:09**
